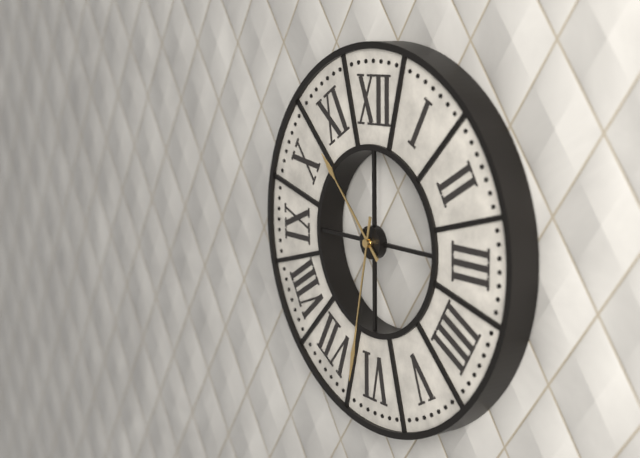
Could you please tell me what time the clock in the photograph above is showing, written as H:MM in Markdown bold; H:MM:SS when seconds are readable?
**10:32**
